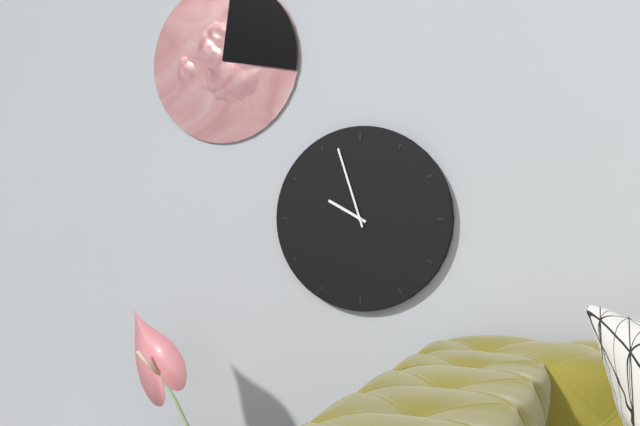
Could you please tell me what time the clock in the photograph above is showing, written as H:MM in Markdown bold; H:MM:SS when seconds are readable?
**9:57**
